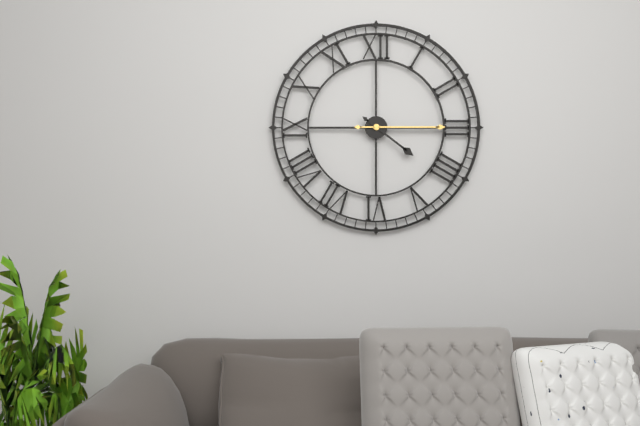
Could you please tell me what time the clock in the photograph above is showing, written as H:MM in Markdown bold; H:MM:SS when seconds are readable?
**4:15**
